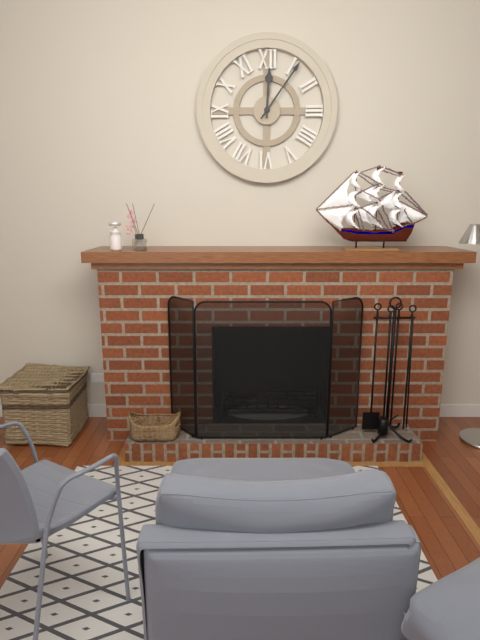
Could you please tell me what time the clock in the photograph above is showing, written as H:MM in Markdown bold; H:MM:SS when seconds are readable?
**12:06**
